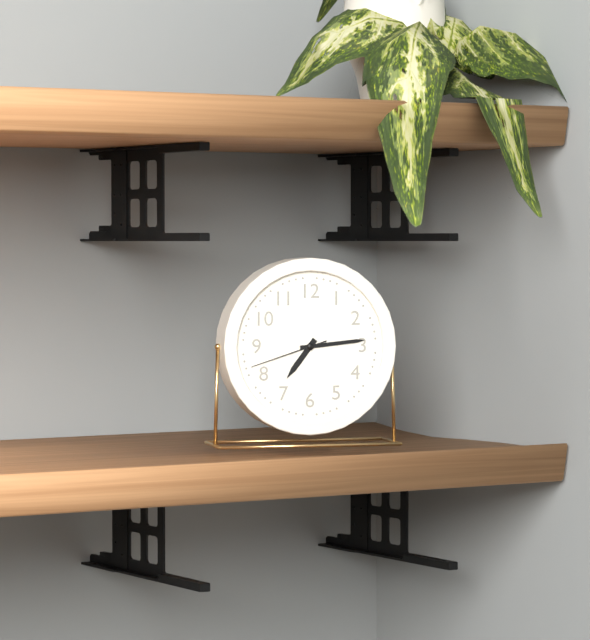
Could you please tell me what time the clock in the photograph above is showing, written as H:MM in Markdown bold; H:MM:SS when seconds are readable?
**7:14:42**
